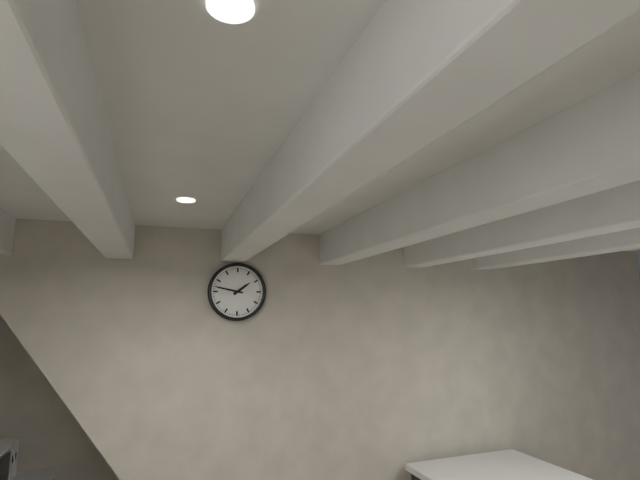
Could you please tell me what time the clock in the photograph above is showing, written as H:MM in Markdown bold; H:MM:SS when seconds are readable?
**1:47**
